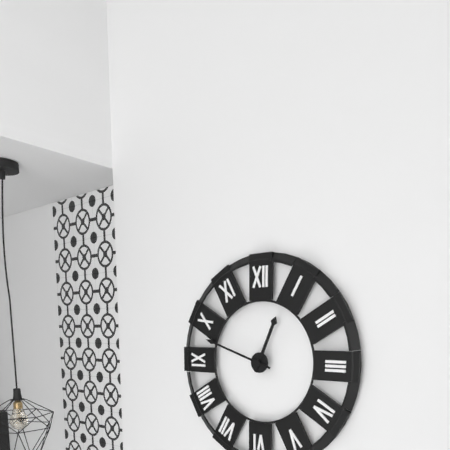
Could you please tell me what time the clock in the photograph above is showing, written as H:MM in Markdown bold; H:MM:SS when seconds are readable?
**12:48**
